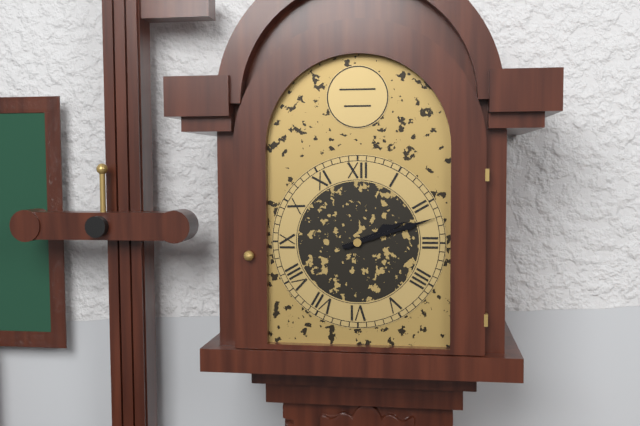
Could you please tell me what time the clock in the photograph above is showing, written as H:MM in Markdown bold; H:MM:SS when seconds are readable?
**2:12**
